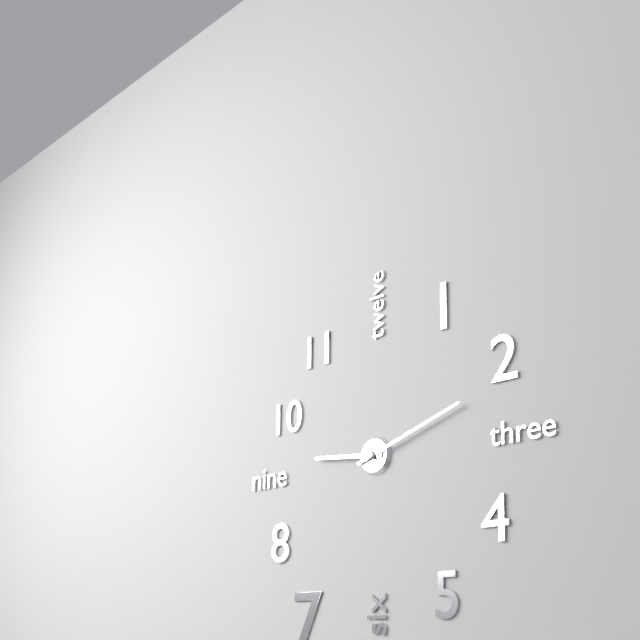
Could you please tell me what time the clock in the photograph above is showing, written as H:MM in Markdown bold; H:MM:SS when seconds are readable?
**9:12**
